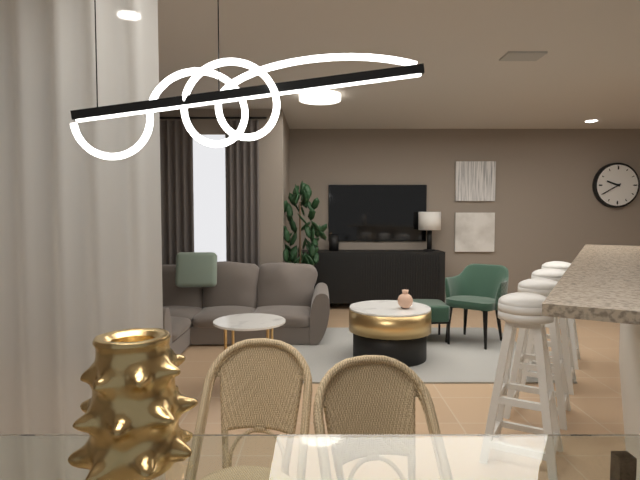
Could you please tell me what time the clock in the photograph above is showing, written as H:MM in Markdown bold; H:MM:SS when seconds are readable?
**9:40**
